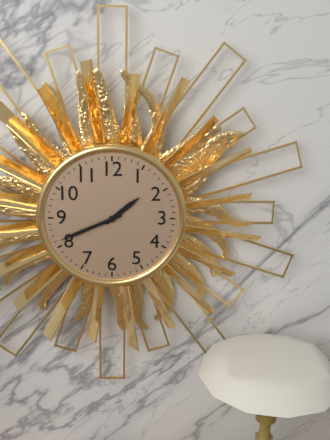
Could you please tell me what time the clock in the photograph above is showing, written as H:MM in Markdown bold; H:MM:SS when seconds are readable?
**1:41**
